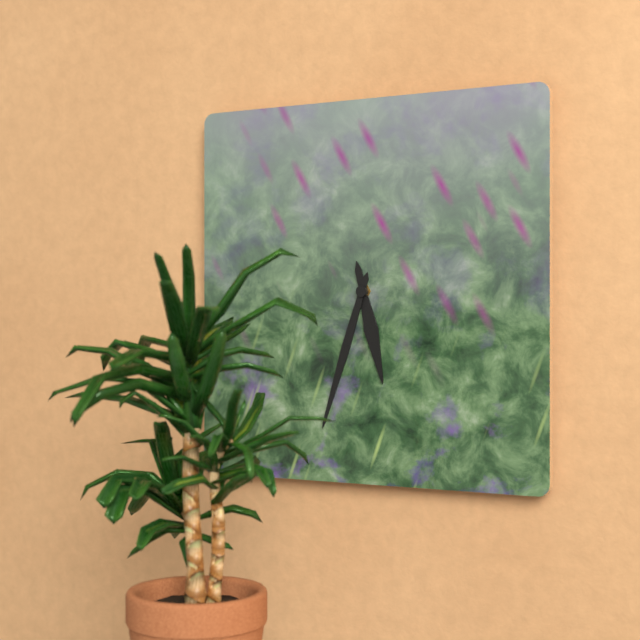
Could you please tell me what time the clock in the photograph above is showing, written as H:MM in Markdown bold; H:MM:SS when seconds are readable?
**5:33**
